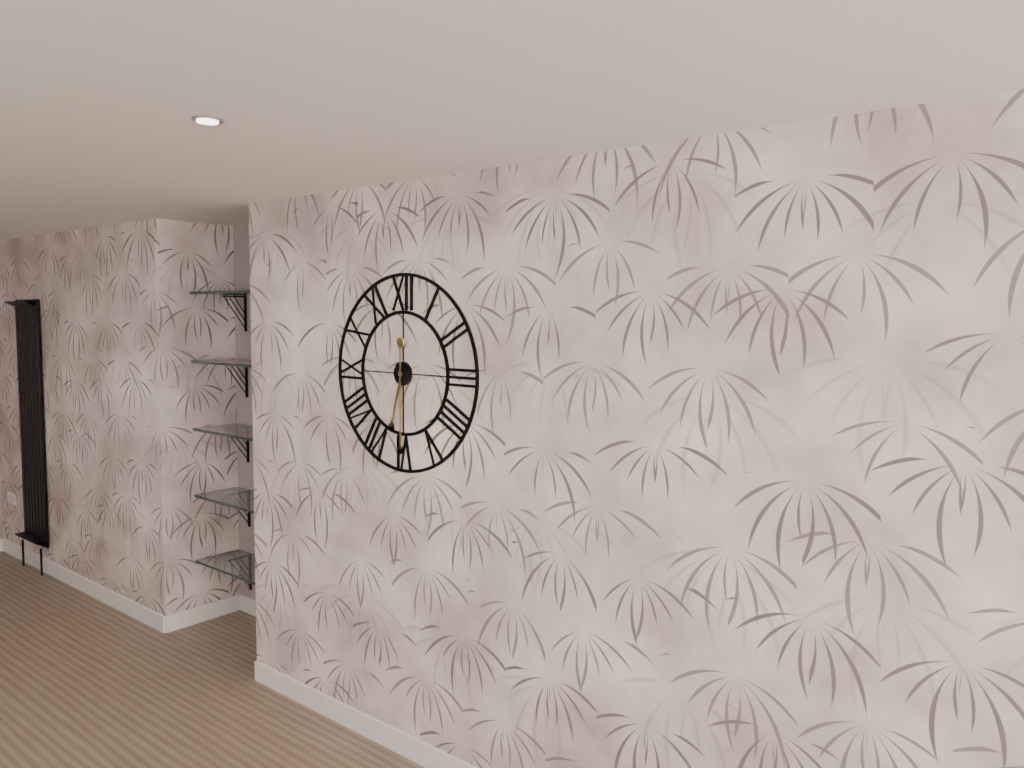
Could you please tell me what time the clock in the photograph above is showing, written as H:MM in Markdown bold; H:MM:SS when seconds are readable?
**6:30**
